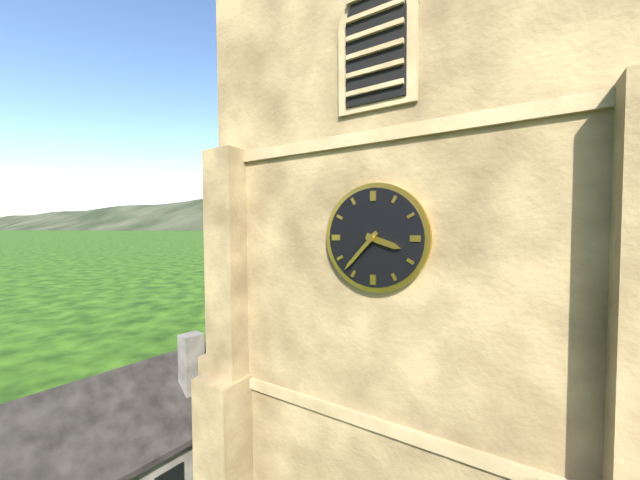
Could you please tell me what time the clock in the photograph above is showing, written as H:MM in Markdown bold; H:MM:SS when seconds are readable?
**3:37**
